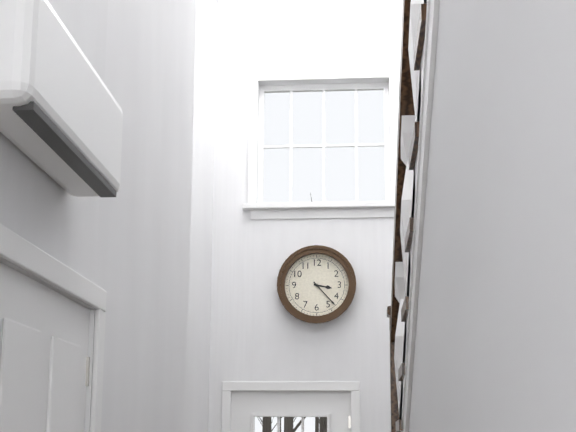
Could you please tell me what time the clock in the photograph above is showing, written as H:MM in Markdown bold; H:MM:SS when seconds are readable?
**3:23**
